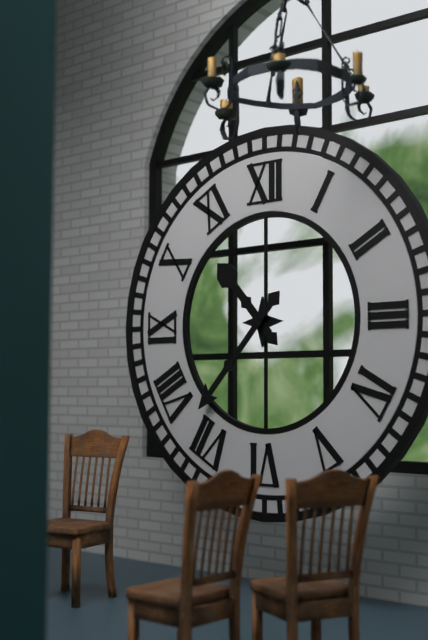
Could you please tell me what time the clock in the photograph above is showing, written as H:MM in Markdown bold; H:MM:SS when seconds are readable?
**10:37**
